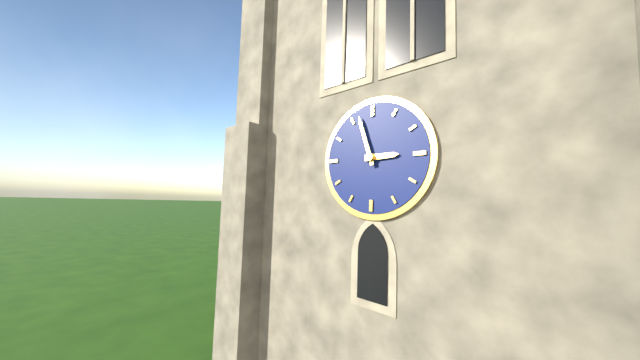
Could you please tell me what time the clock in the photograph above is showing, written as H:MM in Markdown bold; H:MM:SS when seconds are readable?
**2:57**
